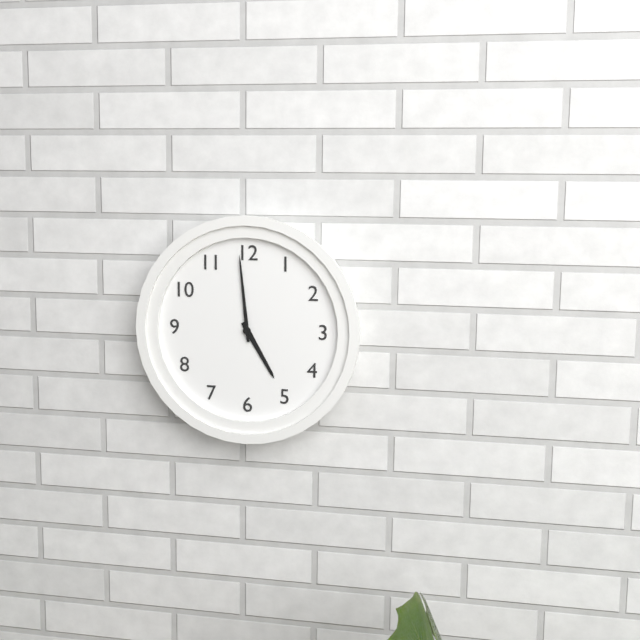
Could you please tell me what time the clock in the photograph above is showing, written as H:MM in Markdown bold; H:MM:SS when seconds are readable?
**4:59**
